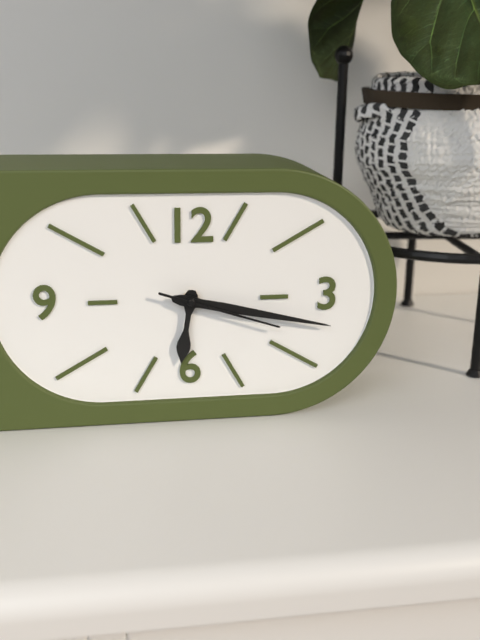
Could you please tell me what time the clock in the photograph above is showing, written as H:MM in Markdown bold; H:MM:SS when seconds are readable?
**6:17:18**
